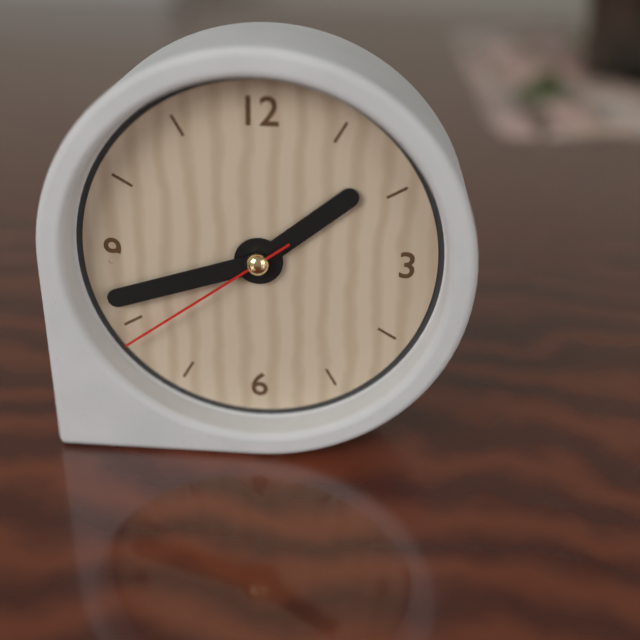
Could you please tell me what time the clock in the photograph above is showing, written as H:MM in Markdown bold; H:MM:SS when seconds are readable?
**1:42:39**
